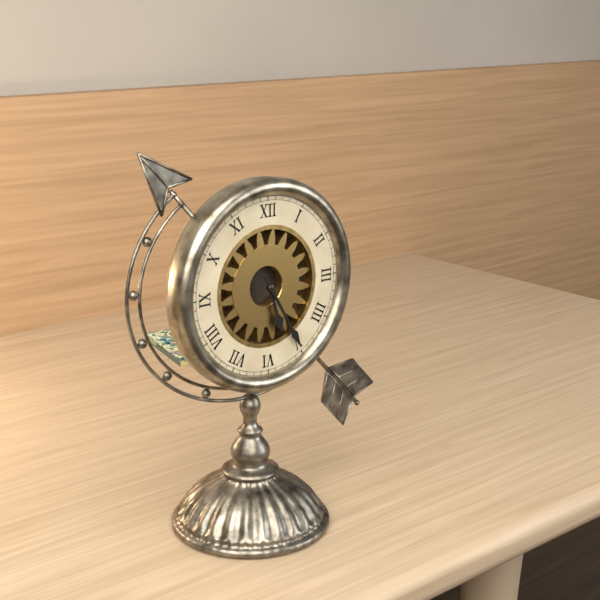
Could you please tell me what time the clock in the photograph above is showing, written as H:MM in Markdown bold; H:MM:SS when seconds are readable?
**5:25**
